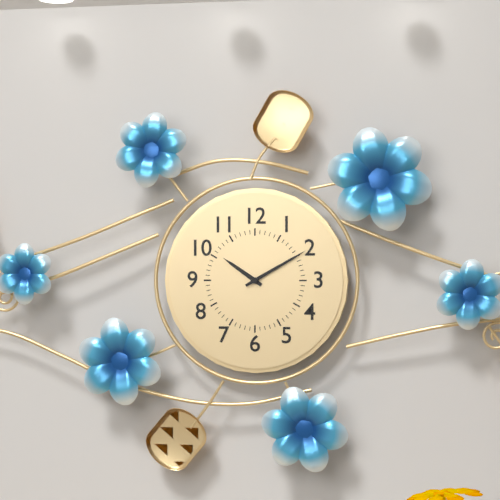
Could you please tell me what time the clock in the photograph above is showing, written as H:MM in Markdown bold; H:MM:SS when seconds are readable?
**10:10**
